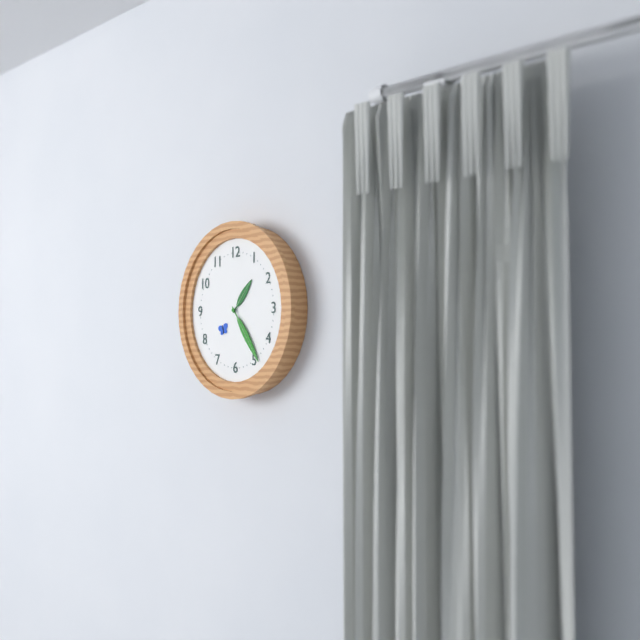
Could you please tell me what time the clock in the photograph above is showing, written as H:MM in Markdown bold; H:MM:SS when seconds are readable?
**1:24**
